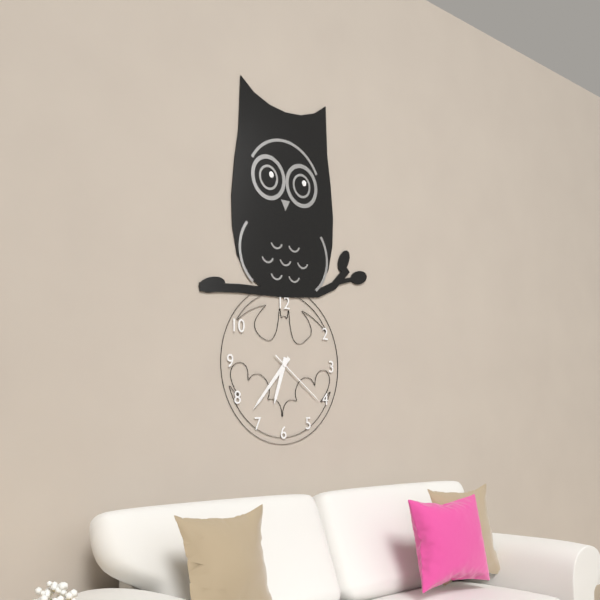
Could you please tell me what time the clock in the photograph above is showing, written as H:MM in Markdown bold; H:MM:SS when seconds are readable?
**6:37:21**
